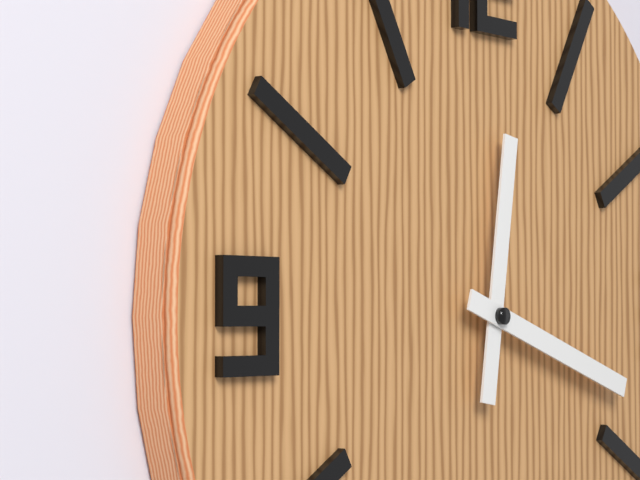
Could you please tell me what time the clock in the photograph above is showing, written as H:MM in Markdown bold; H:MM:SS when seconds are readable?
**12:18**
